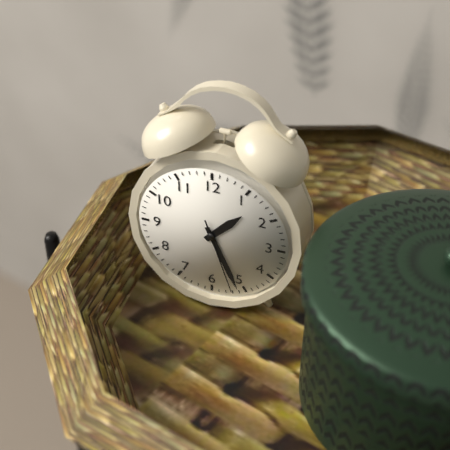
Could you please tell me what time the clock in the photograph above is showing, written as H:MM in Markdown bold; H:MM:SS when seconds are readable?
**1:26:27**
